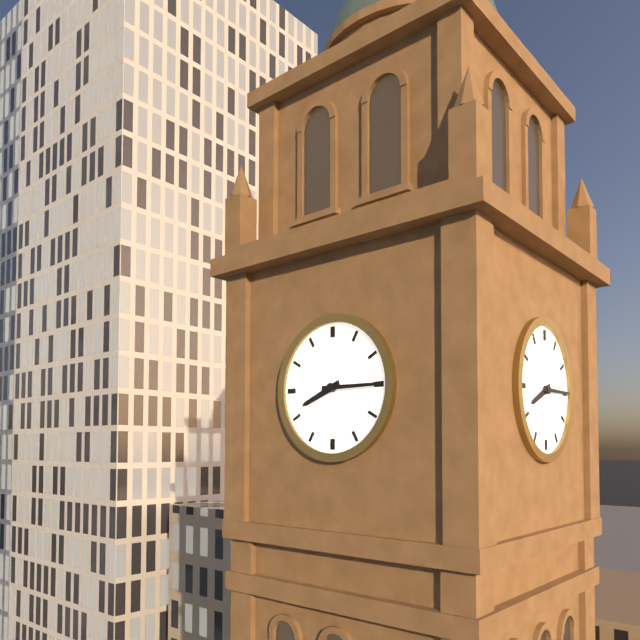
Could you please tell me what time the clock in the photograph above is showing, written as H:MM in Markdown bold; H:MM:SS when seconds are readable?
**8:15**
